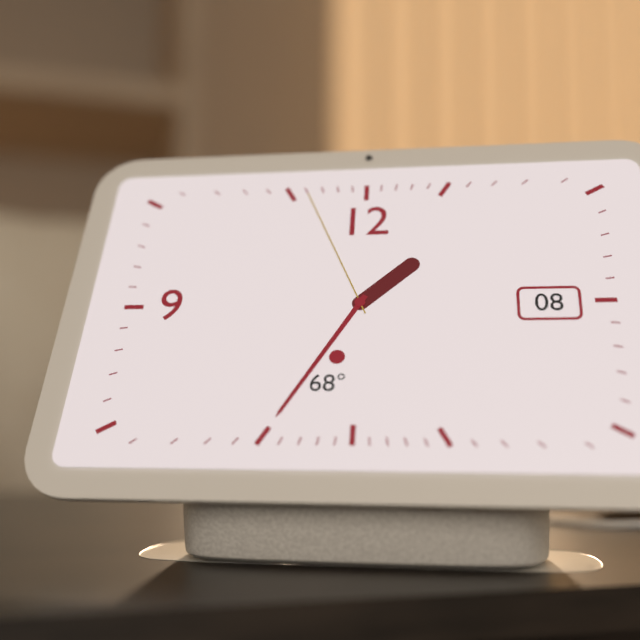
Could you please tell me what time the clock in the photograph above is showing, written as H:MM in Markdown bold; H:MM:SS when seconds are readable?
**1:35:56**
